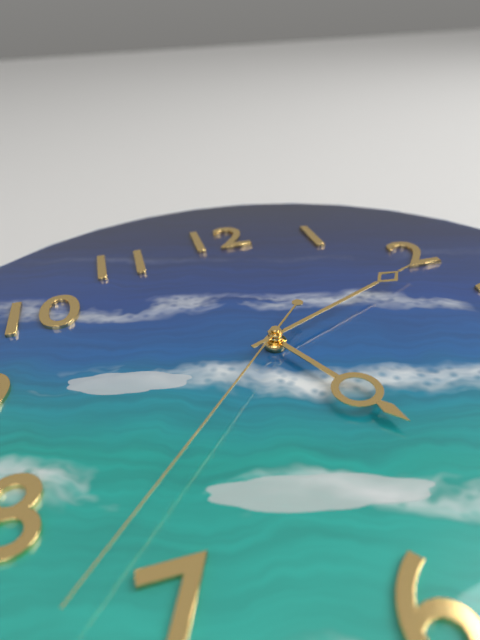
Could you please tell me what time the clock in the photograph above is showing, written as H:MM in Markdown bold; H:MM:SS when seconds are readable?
**5:11:37**
